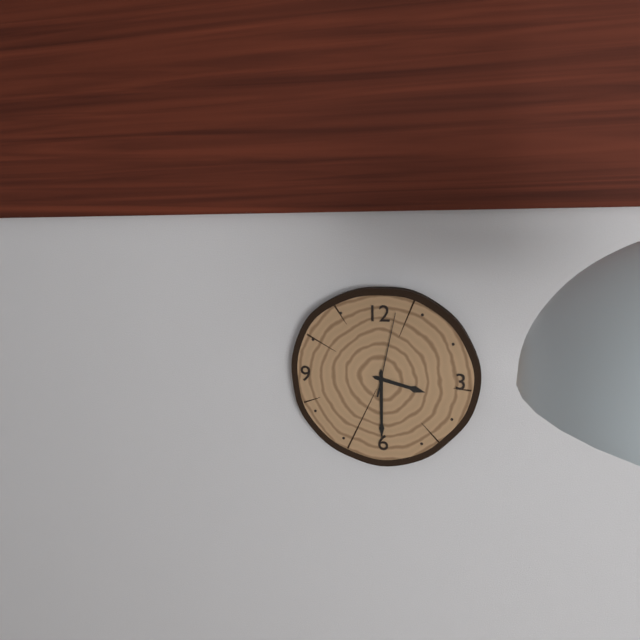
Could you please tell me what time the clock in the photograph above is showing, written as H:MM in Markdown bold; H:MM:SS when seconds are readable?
**3:30:02**
